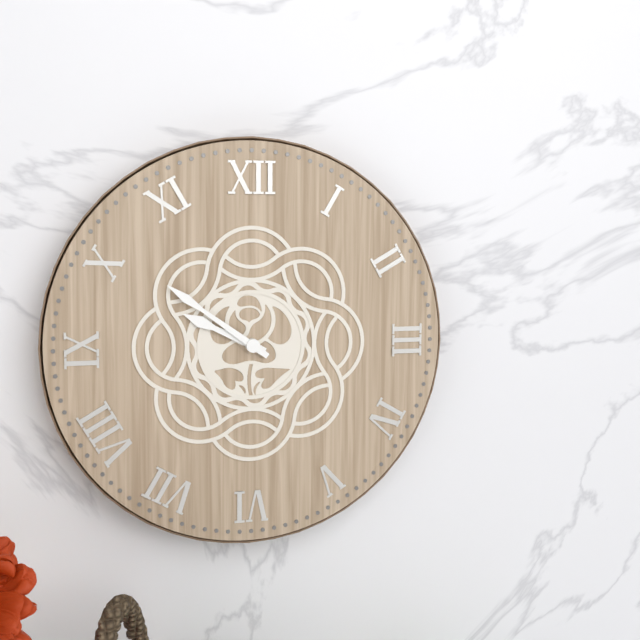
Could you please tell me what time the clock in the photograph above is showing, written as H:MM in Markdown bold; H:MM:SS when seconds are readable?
**9:51**
